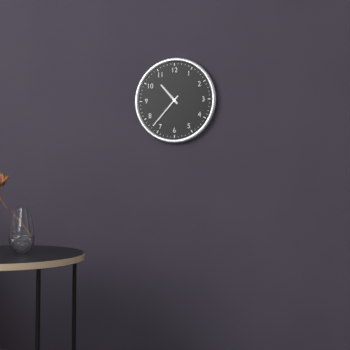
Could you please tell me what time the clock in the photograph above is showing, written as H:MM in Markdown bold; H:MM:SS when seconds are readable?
**10:37**
